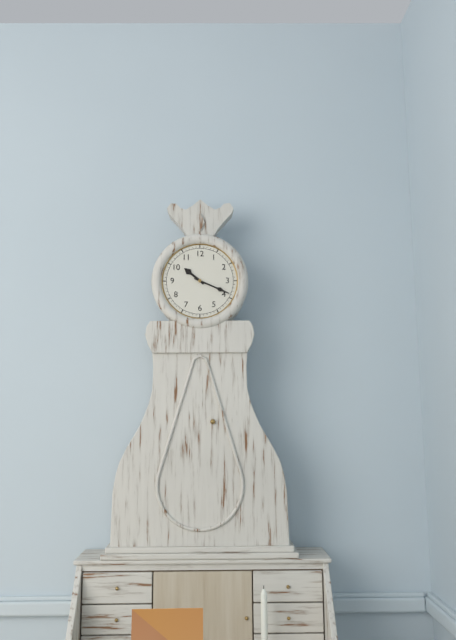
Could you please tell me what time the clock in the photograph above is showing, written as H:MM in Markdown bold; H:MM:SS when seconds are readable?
**10:19**
